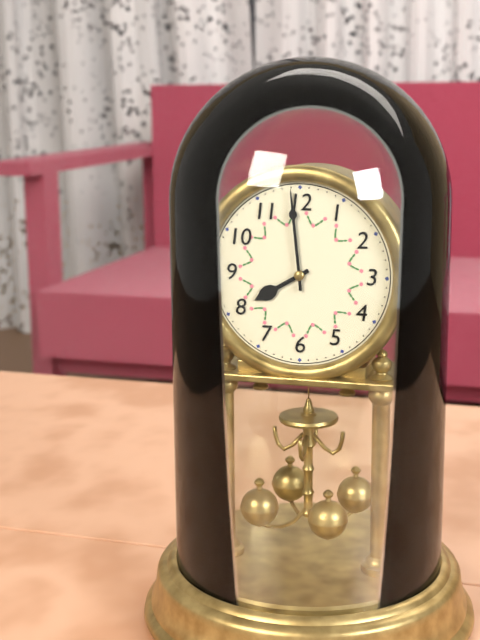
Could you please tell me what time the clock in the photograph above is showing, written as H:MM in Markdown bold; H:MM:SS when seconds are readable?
**7:59**
